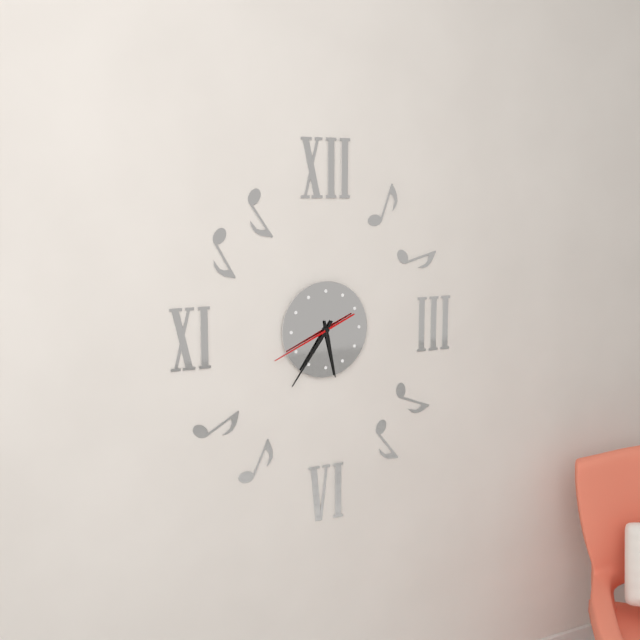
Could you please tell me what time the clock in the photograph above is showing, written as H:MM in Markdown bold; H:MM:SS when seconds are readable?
**5:36:41**
